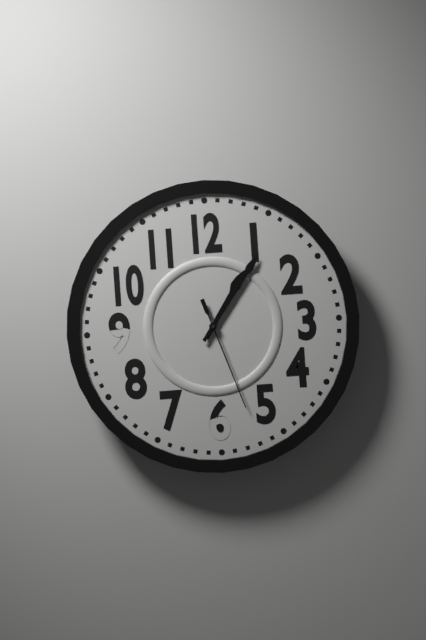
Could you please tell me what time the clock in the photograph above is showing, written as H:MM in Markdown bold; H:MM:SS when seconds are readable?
**1:06:27**
